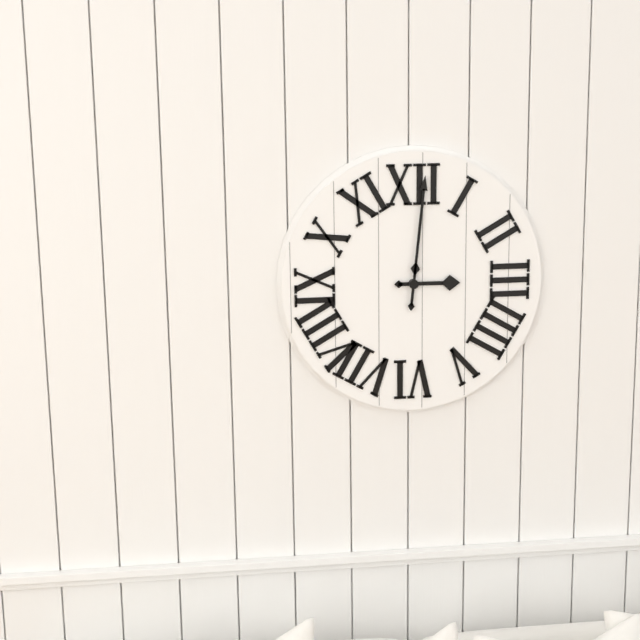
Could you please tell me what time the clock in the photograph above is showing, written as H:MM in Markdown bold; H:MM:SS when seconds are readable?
**3:01**
